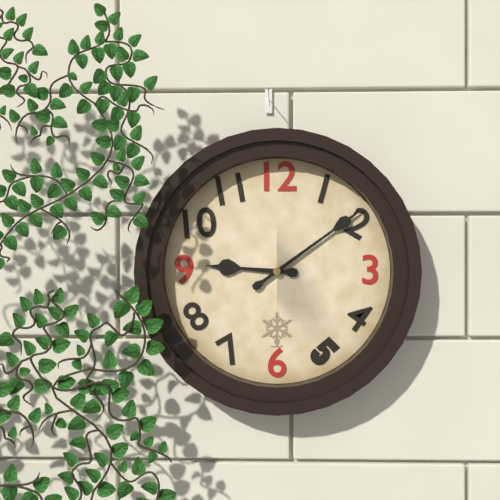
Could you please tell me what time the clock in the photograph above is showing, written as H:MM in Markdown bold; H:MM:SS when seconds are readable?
**9:09**
